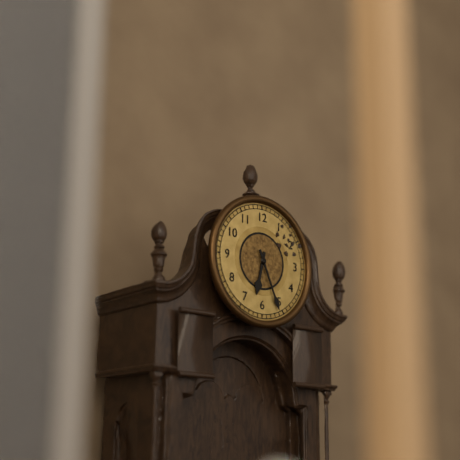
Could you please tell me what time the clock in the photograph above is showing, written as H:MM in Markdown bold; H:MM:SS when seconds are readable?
**6:26**
